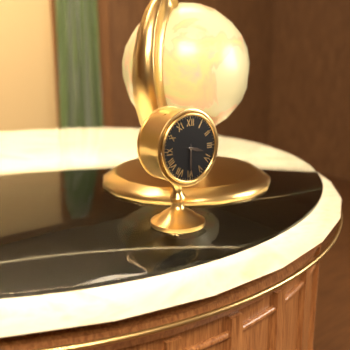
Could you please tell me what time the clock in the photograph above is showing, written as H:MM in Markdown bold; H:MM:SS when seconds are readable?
**3:30**
